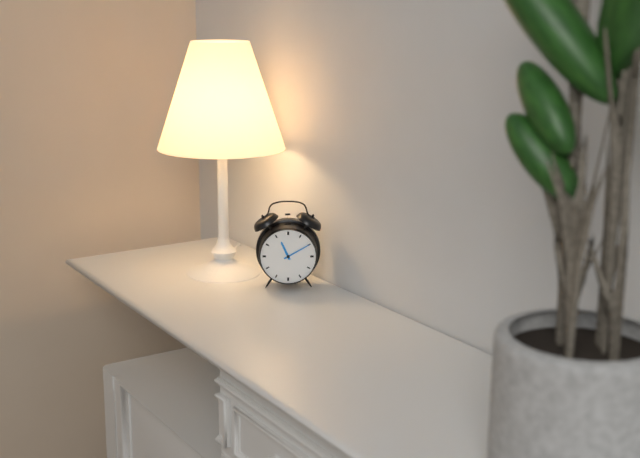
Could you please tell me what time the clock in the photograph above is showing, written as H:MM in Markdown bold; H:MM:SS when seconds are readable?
**11:10**
